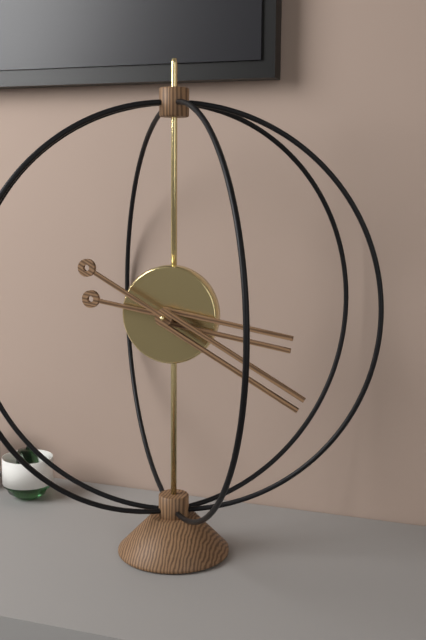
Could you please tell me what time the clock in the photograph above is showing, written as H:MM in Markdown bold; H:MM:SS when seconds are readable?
**3:20**
